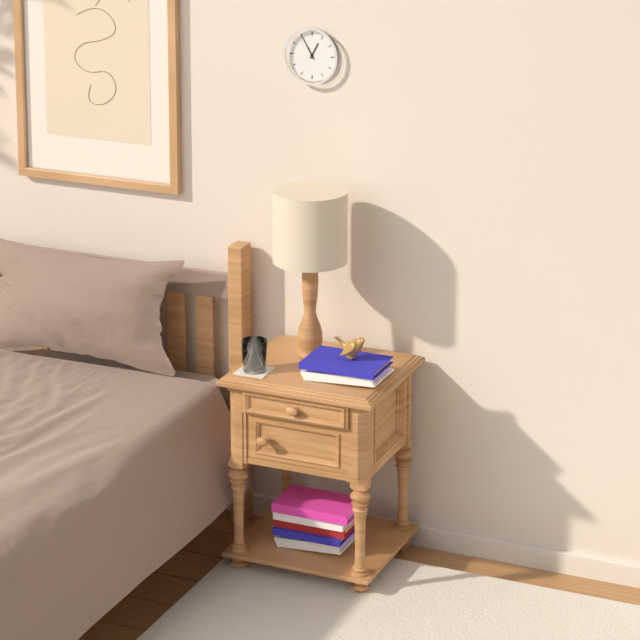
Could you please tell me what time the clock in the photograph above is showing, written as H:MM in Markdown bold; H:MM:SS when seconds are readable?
**12:55**
